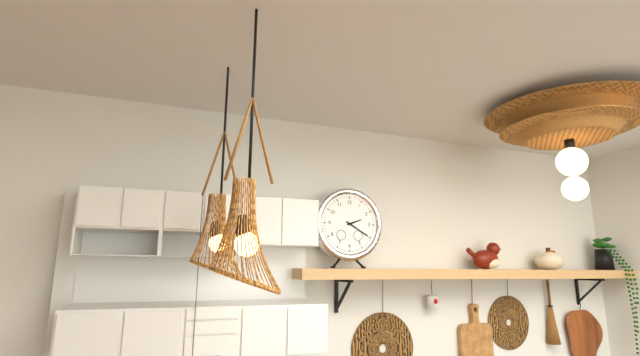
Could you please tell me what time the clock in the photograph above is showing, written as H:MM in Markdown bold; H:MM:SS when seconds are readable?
**2:20**
